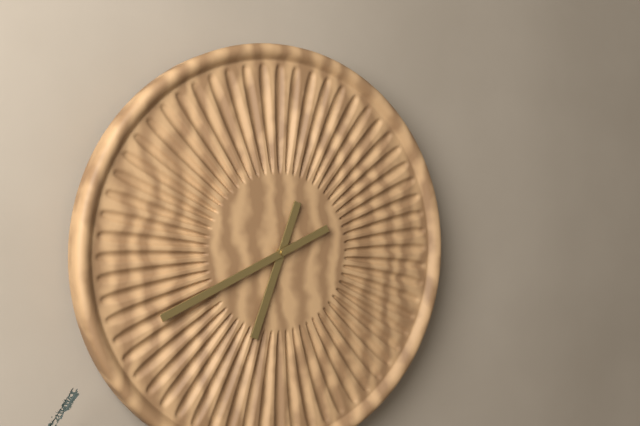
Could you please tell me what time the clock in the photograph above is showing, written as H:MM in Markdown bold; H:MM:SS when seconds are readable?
**6:41**
